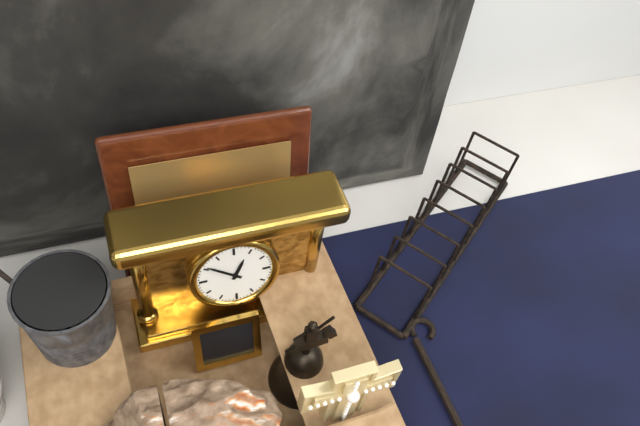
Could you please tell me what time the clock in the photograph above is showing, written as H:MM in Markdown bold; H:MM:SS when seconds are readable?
**12:51**
